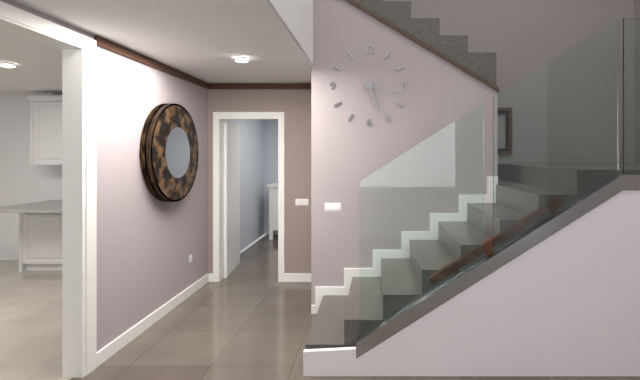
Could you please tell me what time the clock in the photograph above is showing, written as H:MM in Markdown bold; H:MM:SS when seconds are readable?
**5:17**
